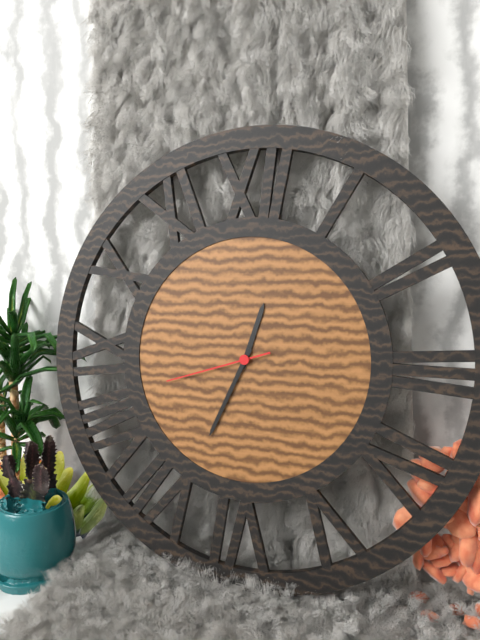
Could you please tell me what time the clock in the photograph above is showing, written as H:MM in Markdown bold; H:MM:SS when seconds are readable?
**12:34:42**
